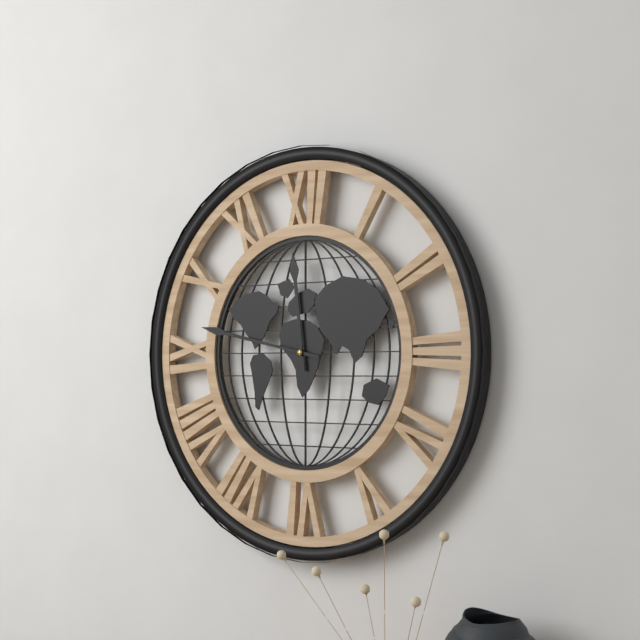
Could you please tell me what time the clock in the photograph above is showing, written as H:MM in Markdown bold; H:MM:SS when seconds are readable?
**11:47**
